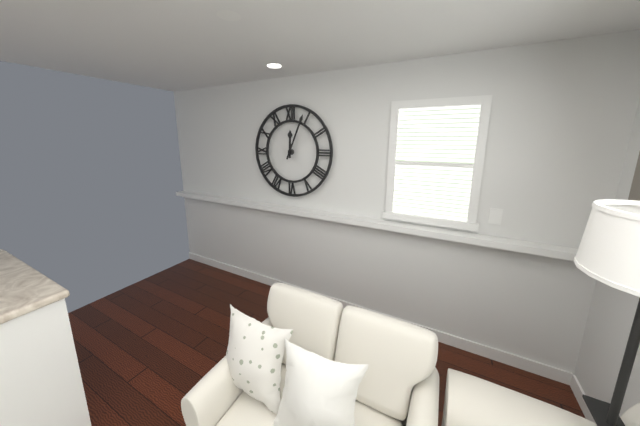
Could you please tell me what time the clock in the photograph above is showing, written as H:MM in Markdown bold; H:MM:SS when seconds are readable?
**12:04**
